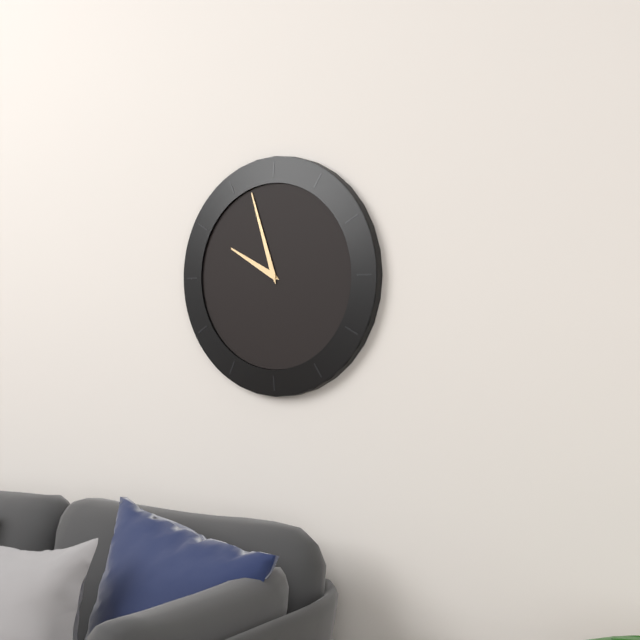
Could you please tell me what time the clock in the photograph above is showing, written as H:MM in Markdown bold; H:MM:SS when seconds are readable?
**9:57**
